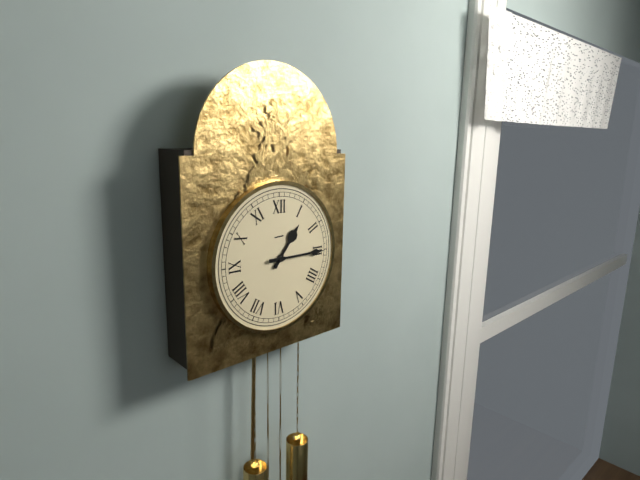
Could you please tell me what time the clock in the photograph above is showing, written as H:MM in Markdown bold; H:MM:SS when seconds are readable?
**1:15**
